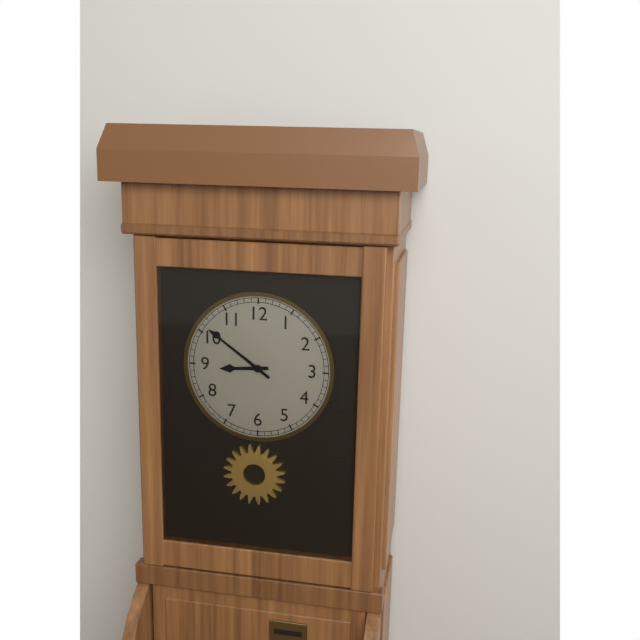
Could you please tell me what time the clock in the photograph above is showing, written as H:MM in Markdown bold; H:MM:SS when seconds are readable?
**8:51**
